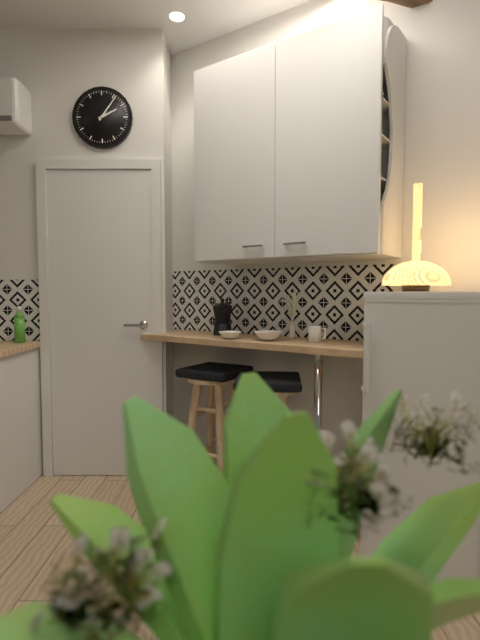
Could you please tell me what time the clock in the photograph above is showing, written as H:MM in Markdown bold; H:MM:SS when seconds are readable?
**2:06**
